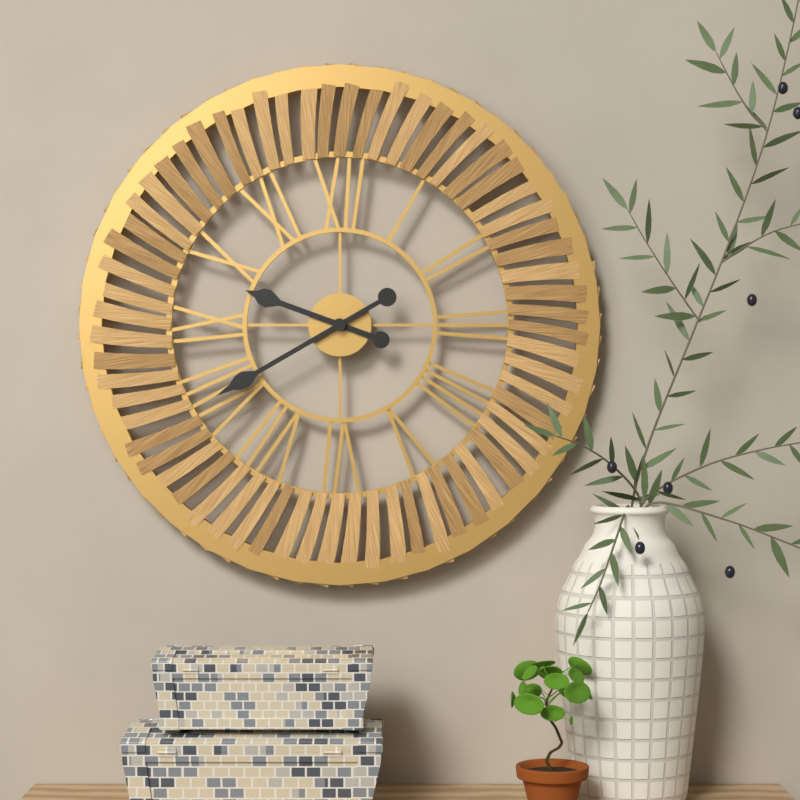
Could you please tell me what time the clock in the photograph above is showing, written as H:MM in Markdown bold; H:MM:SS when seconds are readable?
**9:40**
